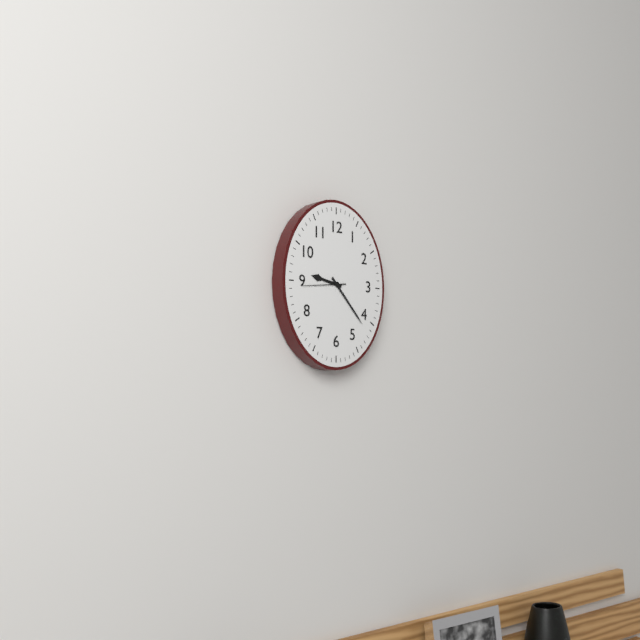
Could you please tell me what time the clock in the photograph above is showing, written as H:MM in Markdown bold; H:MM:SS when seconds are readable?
**9:23**
